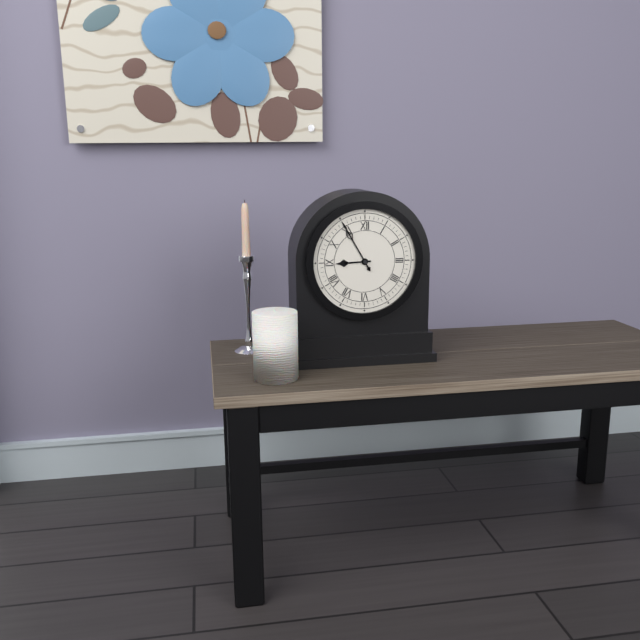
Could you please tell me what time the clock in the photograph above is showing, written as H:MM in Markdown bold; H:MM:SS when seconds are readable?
**8:55**
